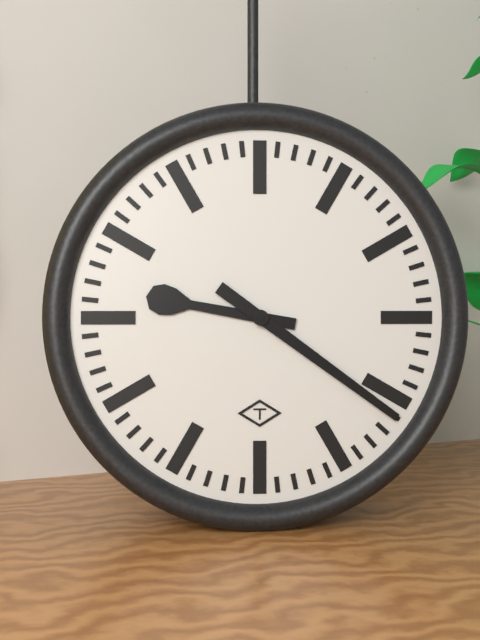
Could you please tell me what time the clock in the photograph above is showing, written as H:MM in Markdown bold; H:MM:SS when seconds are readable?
**9:21**
